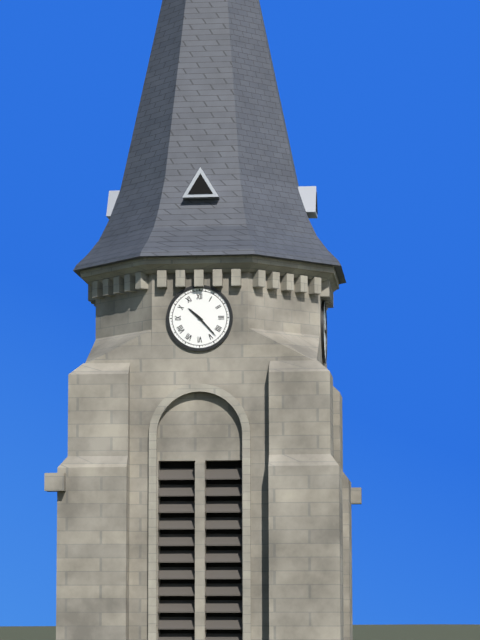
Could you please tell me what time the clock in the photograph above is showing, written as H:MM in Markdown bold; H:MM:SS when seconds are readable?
**10:23**
